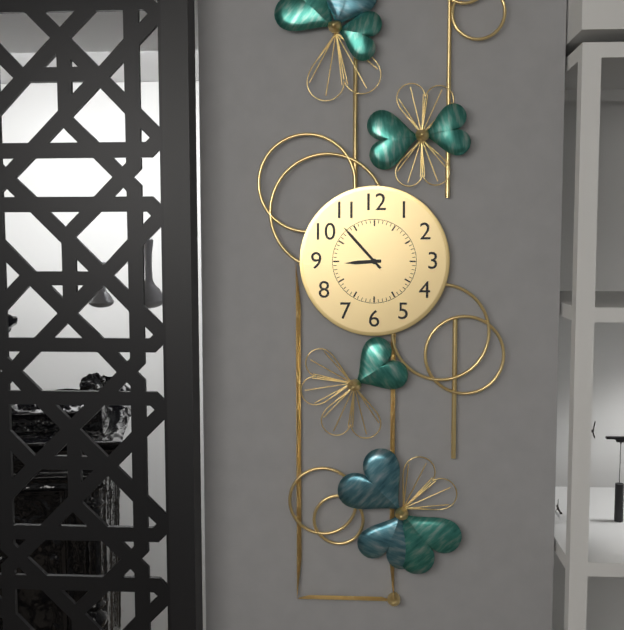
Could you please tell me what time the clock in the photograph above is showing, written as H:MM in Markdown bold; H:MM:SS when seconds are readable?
**8:53**
